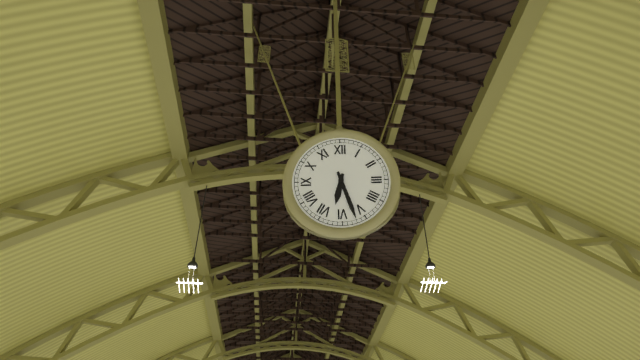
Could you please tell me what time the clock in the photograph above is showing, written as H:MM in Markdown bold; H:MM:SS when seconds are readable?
**6:27**
